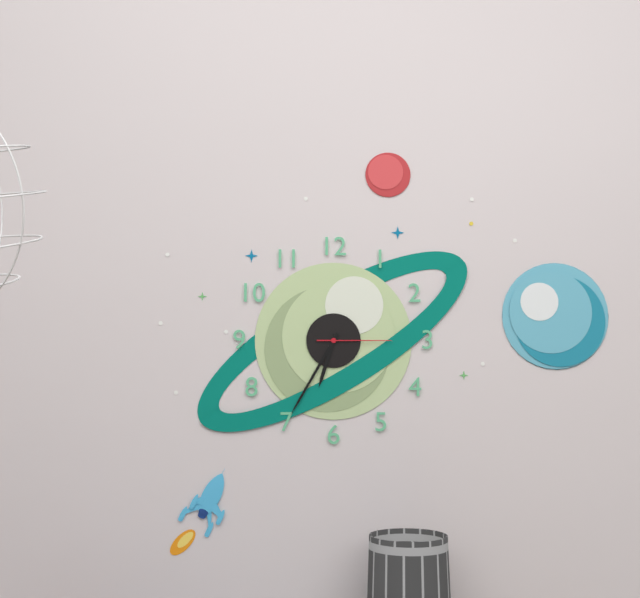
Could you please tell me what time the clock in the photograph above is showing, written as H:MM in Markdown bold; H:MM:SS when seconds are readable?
**6:35:15**
